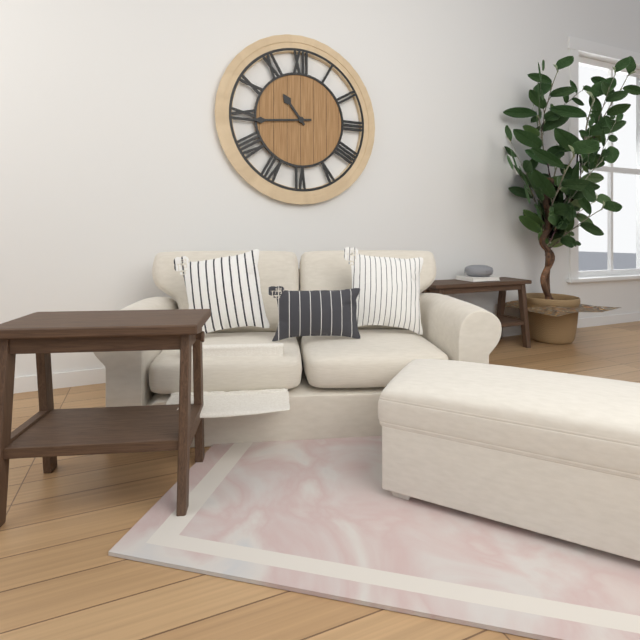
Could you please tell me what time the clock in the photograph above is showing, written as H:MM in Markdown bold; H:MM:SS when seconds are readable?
**10:44**
